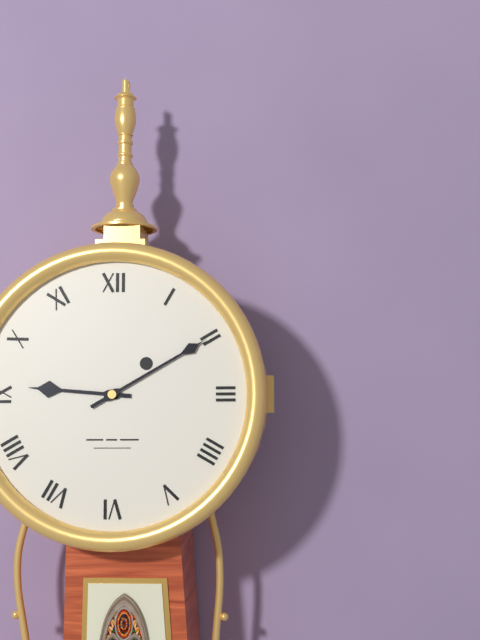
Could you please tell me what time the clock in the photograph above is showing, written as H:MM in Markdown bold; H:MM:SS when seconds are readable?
**9:10**
